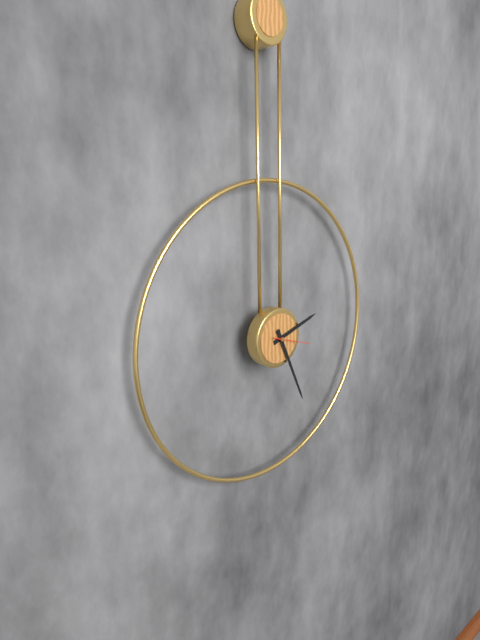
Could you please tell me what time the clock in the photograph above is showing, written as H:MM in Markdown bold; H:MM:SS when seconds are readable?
**2:26**
